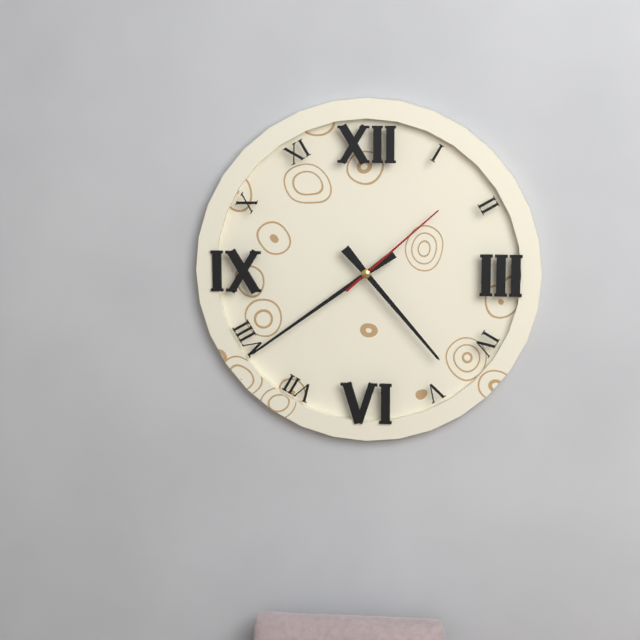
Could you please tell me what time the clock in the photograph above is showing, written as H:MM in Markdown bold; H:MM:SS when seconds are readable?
**4:39:08**
